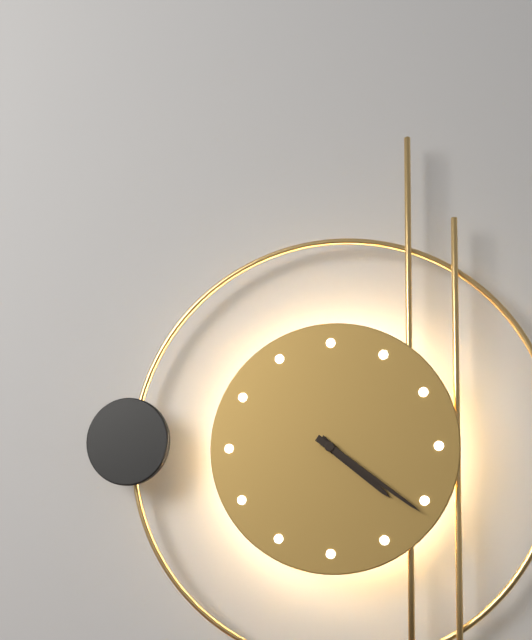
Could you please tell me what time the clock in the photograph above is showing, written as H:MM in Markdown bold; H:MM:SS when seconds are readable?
**4:21**
